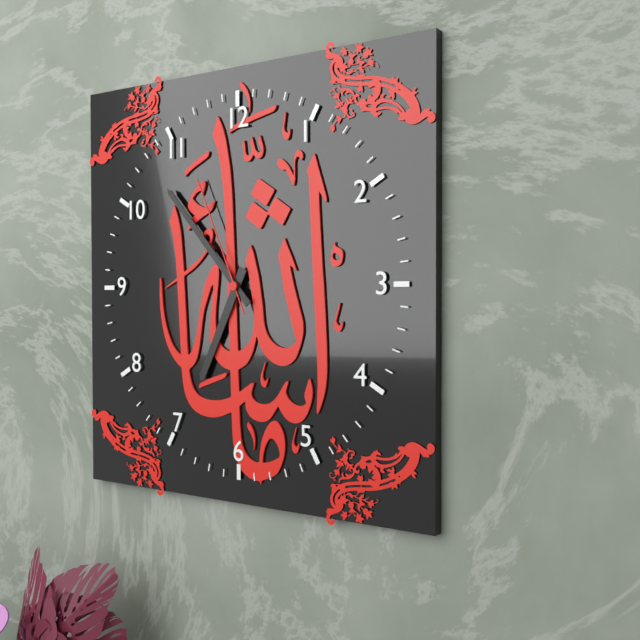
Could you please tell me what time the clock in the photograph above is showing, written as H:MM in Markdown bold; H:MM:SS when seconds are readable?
**6:53:56**
